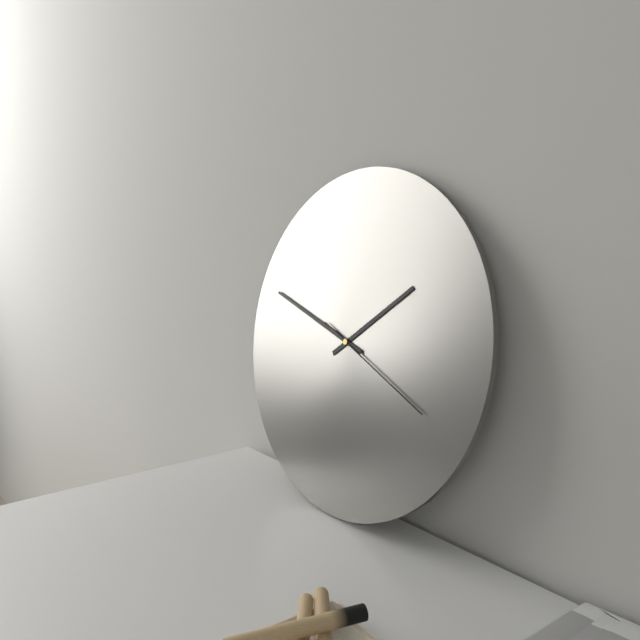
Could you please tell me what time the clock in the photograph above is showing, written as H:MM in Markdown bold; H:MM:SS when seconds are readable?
**1:48:19**
